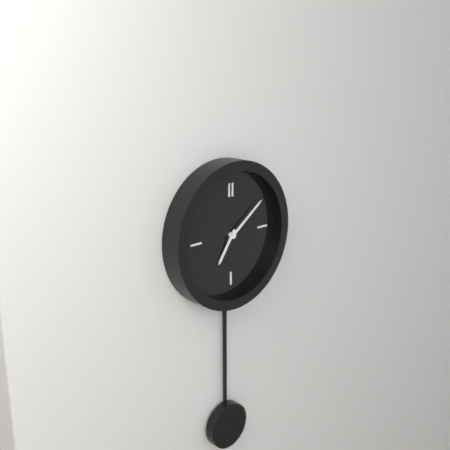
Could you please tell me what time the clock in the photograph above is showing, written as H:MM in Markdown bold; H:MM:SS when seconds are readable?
**7:09**
